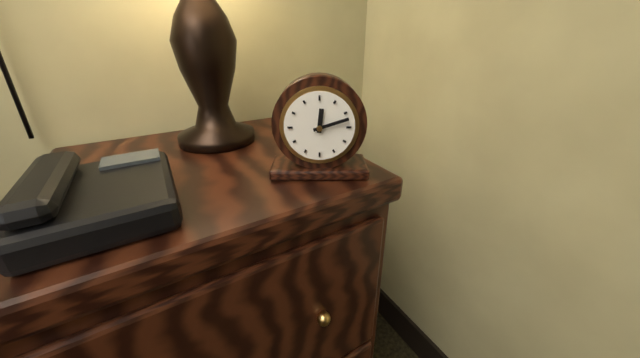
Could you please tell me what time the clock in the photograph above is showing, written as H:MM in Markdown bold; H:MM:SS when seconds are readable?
**12:12**
